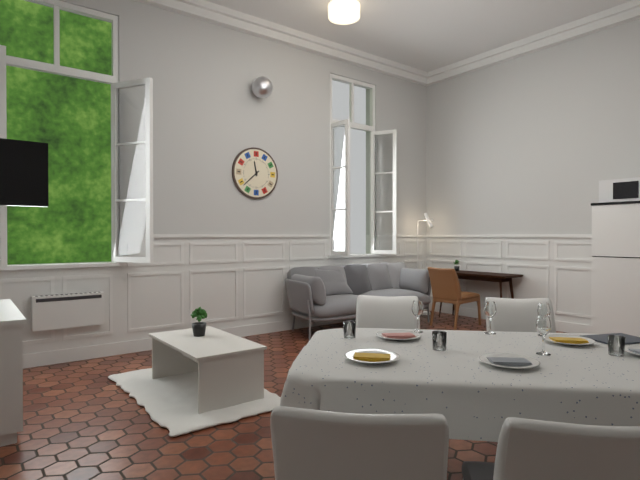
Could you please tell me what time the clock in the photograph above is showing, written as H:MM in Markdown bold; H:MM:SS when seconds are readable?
**11:38**
